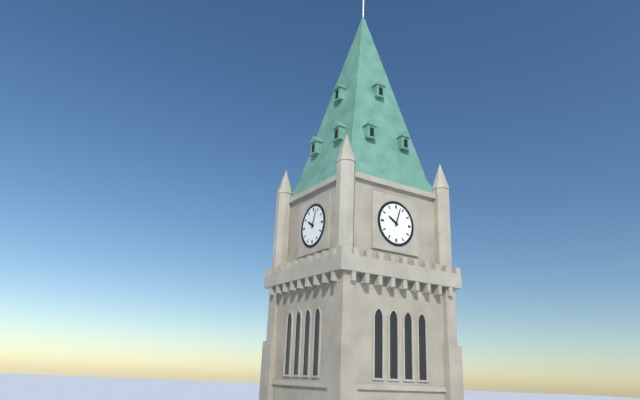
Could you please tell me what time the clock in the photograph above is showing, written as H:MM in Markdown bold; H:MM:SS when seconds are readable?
**10:03**
